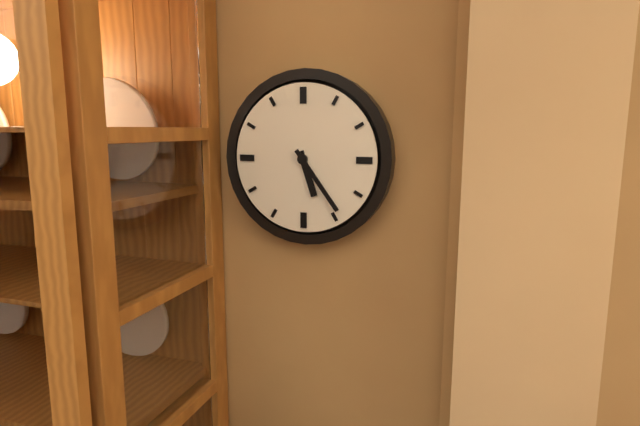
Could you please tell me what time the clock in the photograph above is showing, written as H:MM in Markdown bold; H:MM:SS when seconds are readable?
**5:24**
